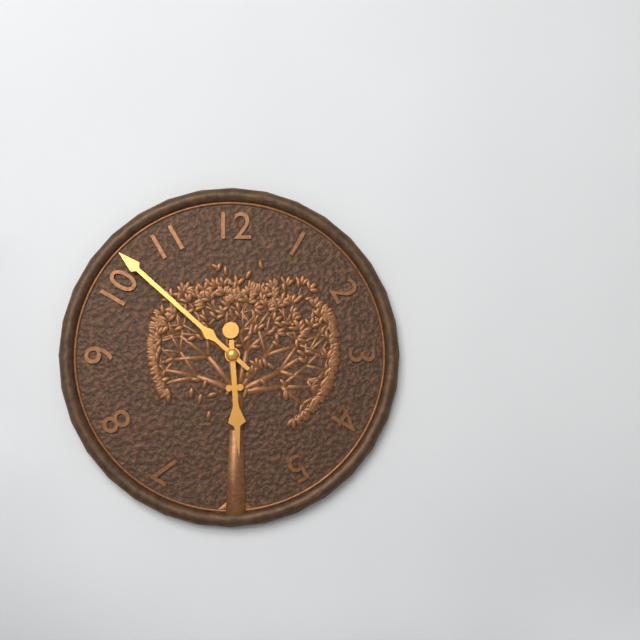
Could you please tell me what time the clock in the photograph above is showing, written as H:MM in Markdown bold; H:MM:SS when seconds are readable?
**5:52**
